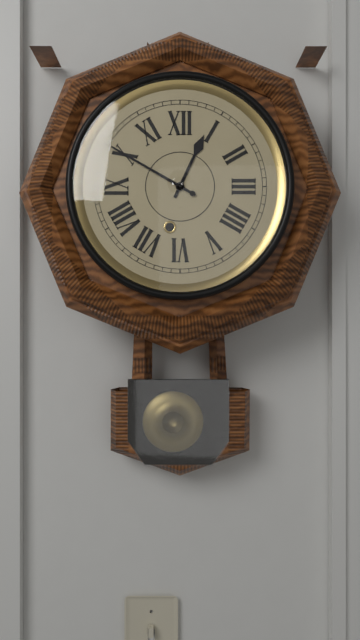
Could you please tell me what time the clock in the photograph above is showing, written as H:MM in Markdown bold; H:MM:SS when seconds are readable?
**12:50**
